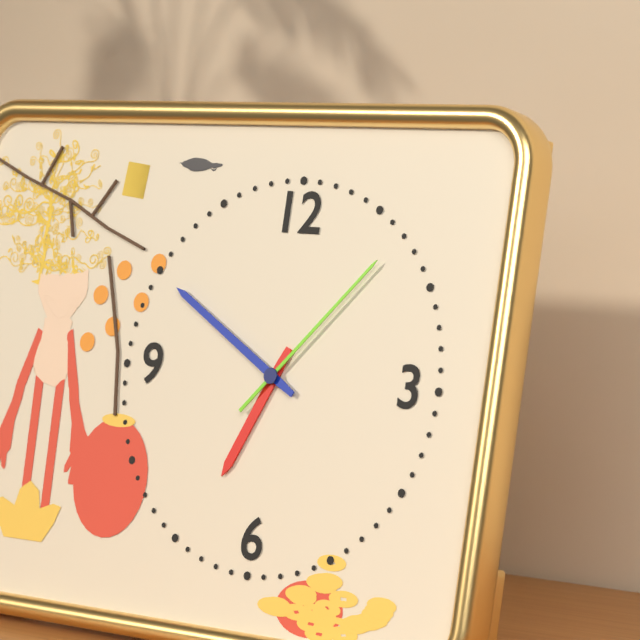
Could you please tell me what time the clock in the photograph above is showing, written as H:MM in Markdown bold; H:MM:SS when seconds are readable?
**6:50:07**
